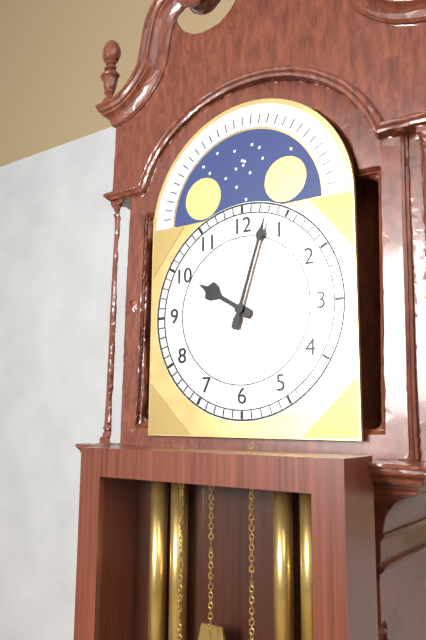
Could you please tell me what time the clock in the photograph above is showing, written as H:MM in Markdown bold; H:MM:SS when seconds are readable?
**10:03**
